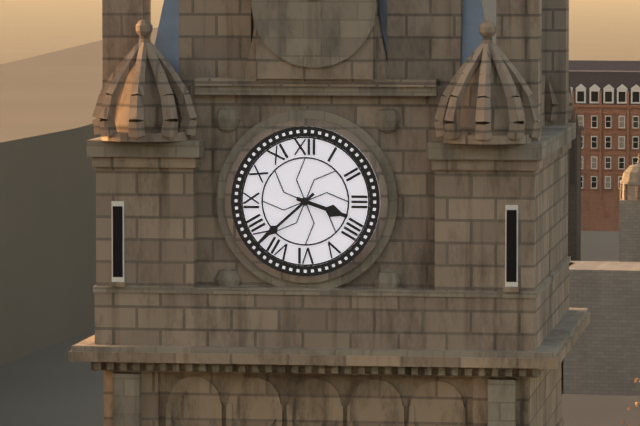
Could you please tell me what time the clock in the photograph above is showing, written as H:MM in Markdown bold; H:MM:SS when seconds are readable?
**3:38**
